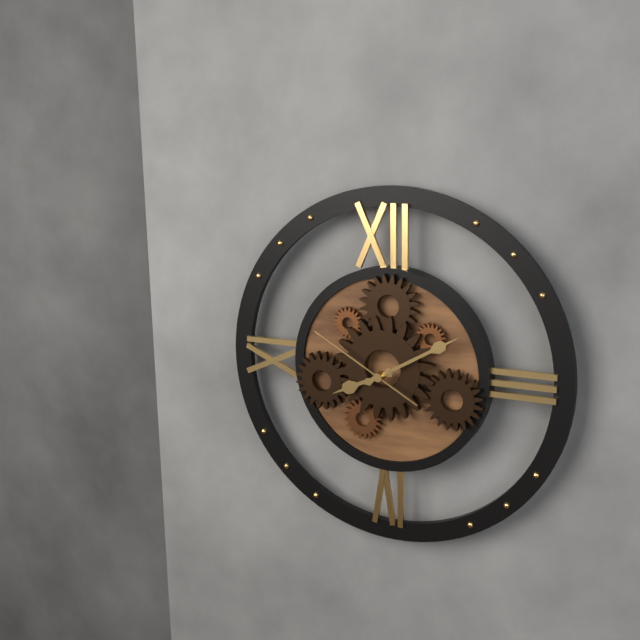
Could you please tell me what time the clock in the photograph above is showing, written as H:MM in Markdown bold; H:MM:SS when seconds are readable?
**8:10:50**
